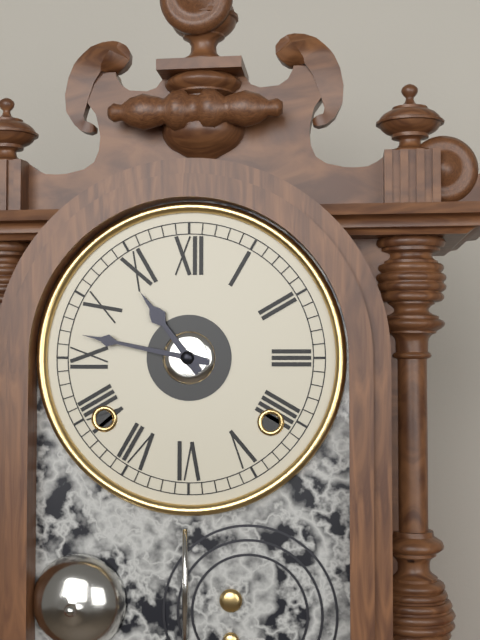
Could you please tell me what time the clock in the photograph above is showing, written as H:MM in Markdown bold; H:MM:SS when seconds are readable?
**10:47**
